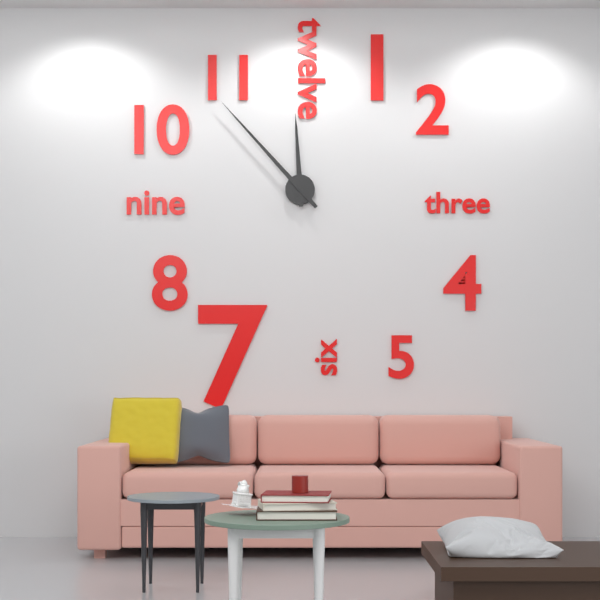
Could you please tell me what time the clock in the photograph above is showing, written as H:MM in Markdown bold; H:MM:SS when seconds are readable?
**11:53**
